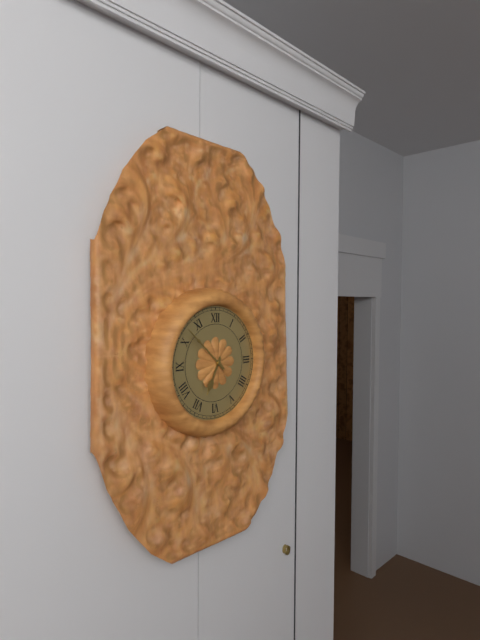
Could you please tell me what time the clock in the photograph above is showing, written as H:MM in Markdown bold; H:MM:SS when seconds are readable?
**6:52**
